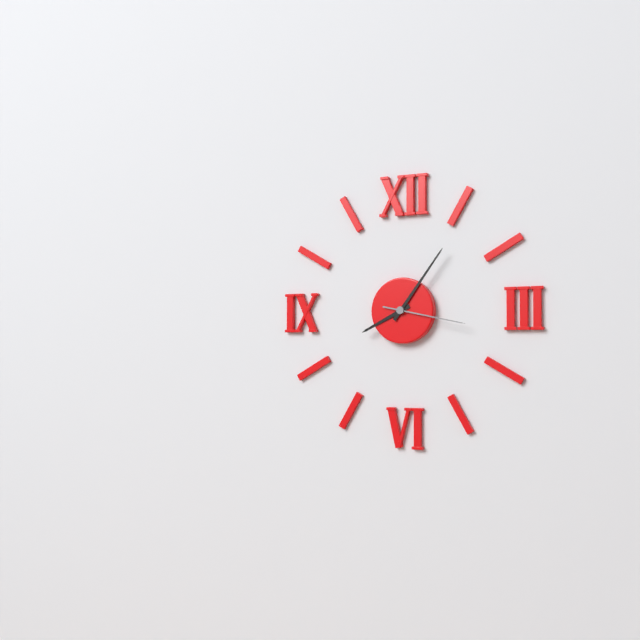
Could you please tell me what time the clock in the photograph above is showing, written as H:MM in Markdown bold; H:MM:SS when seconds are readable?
**8:06:17**
